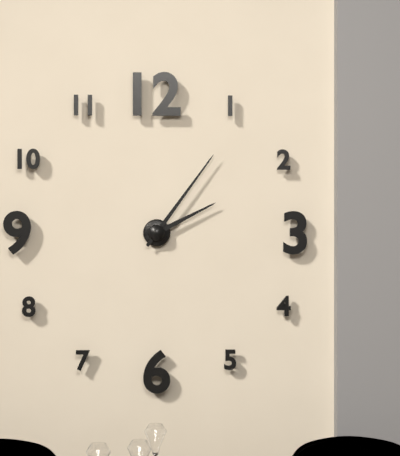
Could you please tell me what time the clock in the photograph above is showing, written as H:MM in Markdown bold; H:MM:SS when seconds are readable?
**2:06**
